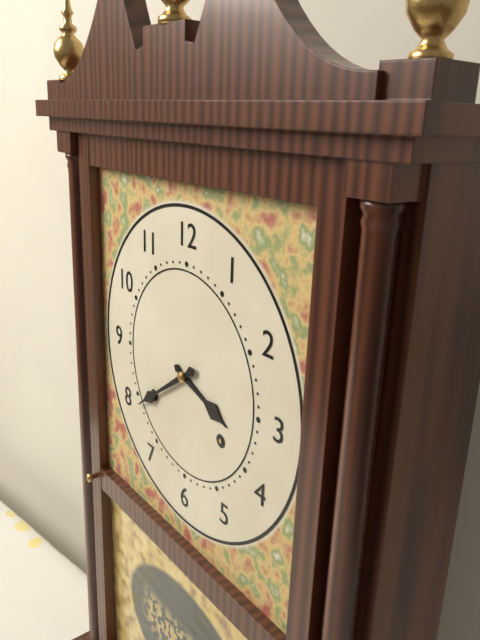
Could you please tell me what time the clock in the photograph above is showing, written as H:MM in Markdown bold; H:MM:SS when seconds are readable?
**3:39**
